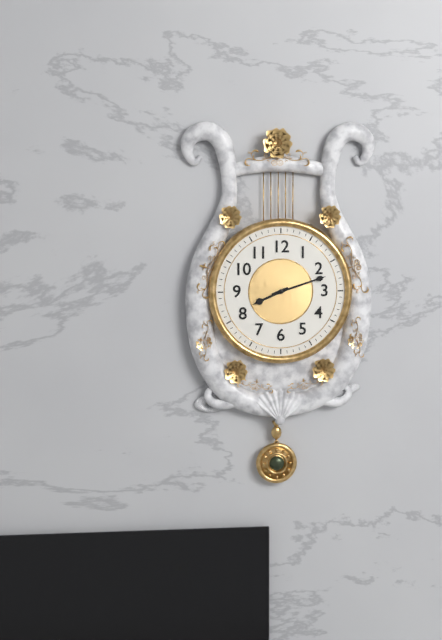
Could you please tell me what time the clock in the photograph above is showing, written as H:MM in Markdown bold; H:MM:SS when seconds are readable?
**8:12**
